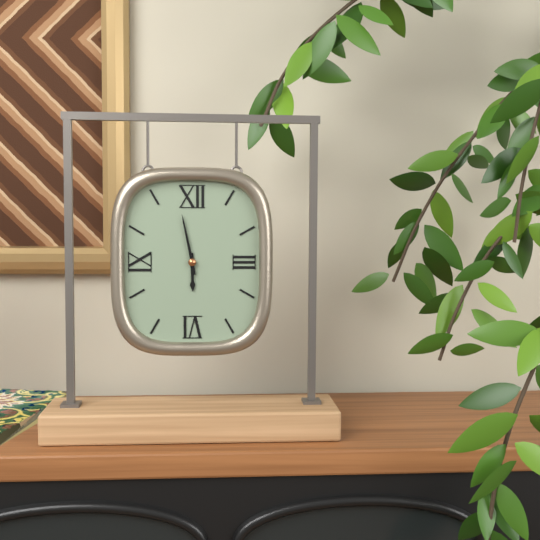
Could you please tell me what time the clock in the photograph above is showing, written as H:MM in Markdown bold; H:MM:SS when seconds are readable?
**5:58**
